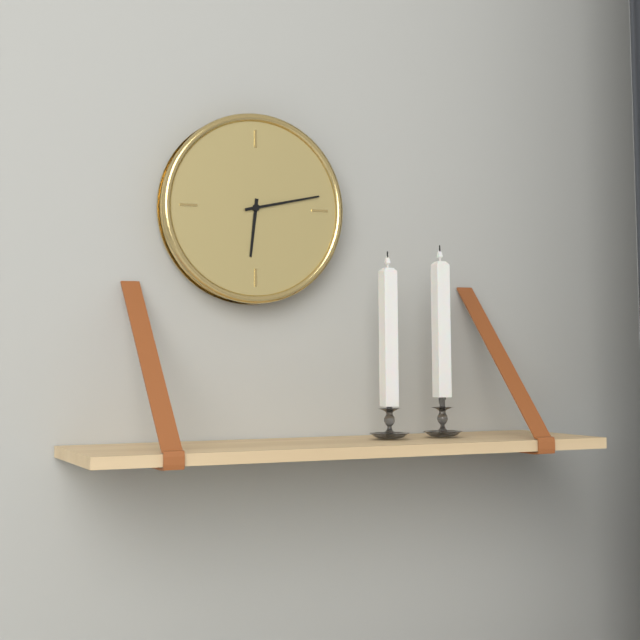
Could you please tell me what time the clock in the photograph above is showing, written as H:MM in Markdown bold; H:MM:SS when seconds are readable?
**6:13**
